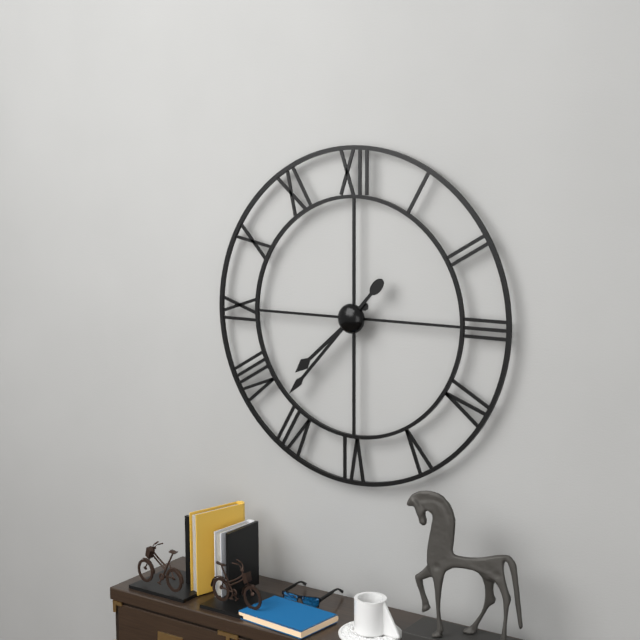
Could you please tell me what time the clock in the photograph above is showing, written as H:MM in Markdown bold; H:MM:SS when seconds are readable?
**7:37**
